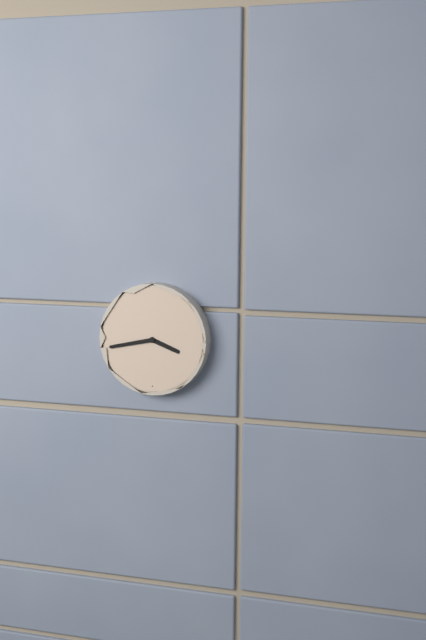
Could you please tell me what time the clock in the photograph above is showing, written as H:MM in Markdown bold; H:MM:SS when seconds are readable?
**3:43**
